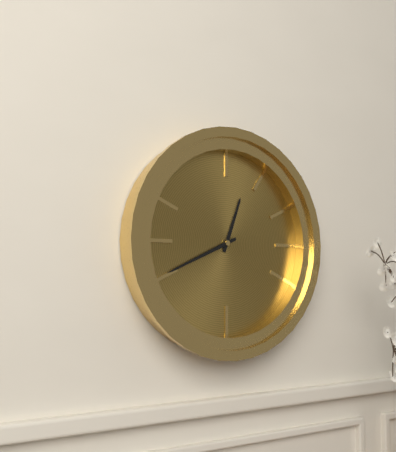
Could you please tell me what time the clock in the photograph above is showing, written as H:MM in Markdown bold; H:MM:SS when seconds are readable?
**12:41**
